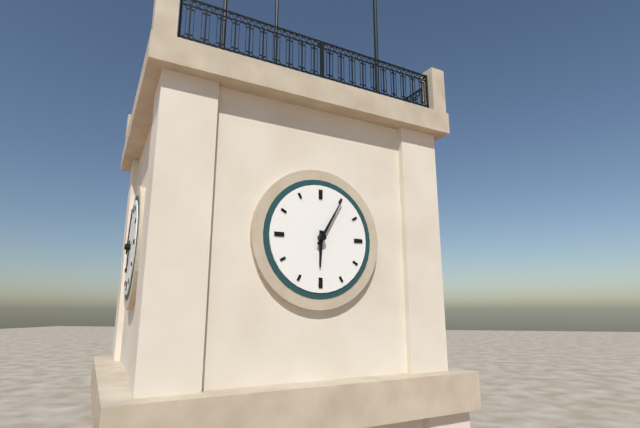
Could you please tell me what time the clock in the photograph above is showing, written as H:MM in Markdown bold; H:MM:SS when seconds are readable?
**6:05**
